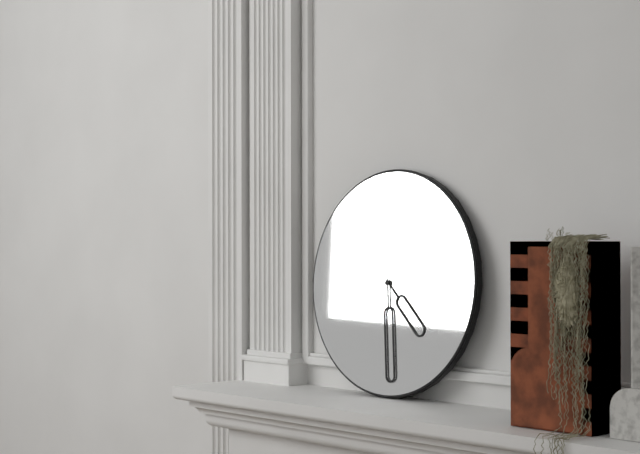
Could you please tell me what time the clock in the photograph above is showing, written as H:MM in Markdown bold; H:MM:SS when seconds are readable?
**4:29**
